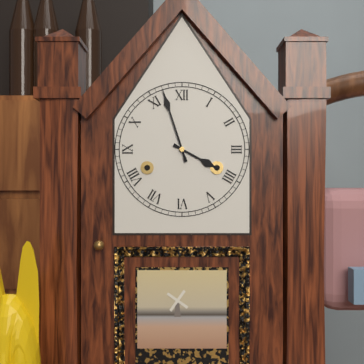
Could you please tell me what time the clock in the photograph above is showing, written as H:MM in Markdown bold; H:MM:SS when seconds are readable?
**3:57**
